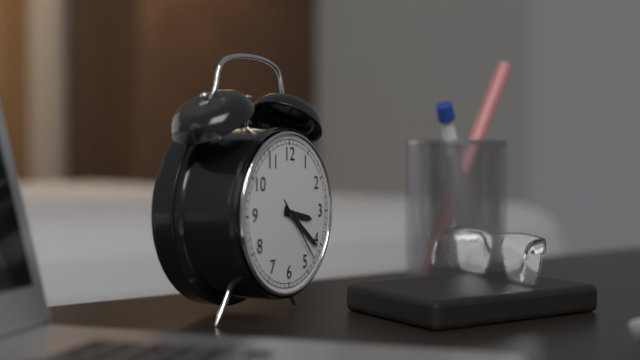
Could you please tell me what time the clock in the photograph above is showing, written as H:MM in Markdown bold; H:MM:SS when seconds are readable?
**3:21:23**
